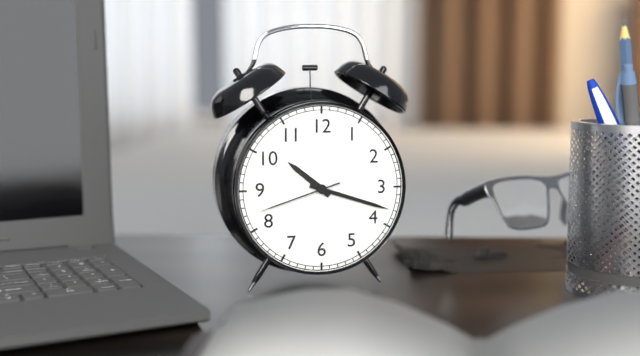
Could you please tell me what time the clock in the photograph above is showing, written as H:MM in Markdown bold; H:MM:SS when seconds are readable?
**10:18:42**
